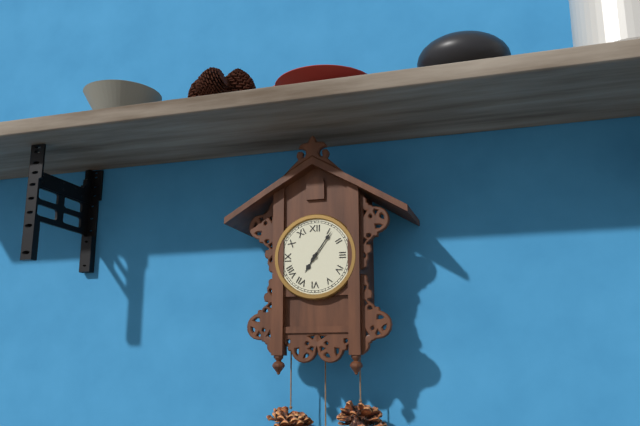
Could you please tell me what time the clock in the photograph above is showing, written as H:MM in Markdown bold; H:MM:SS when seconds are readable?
**7:06**
